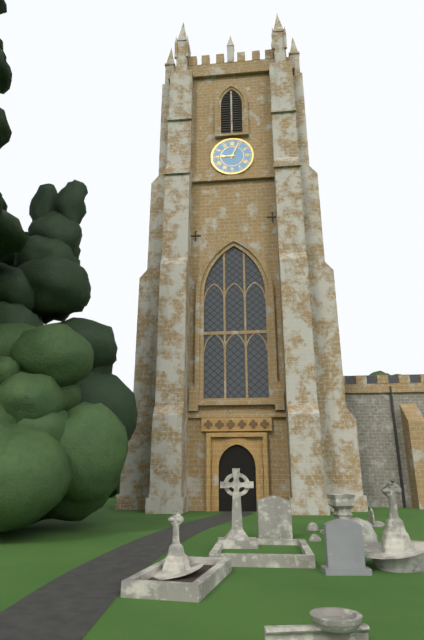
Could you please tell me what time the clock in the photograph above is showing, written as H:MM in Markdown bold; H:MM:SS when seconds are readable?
**9:04**
